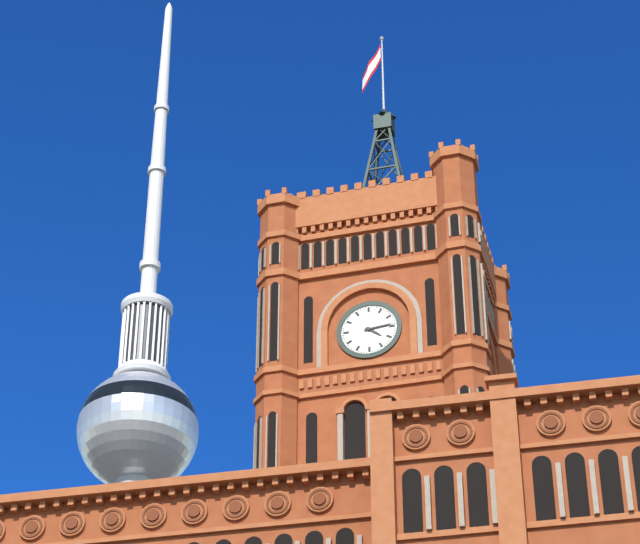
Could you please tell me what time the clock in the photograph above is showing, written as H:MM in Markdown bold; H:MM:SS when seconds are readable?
**4:14**
